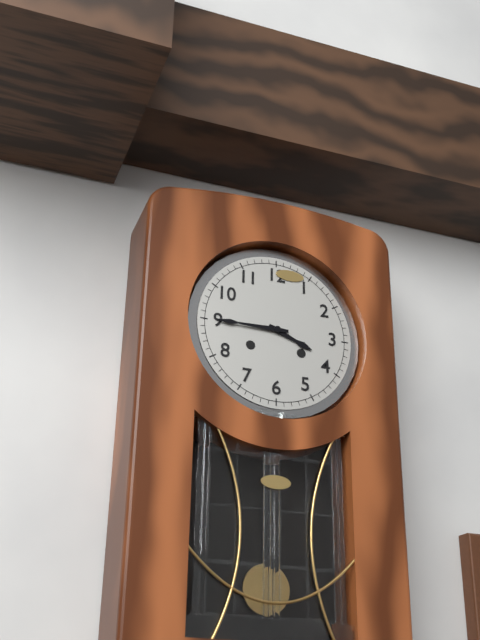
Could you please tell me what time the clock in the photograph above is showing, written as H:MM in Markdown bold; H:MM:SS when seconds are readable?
**3:45**
